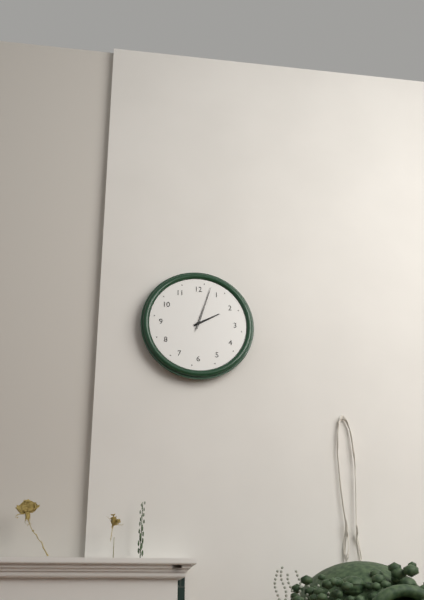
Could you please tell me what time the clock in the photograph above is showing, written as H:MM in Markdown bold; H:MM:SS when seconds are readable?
**2:03**
